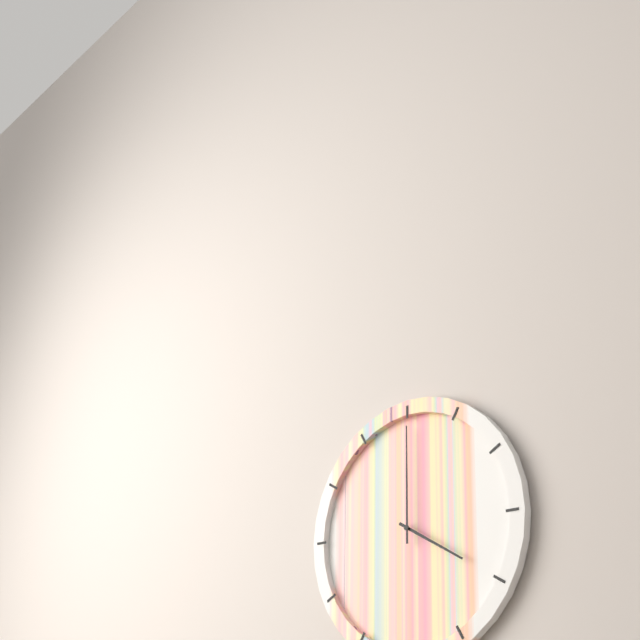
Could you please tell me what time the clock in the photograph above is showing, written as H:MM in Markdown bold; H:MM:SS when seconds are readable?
**4:00**
